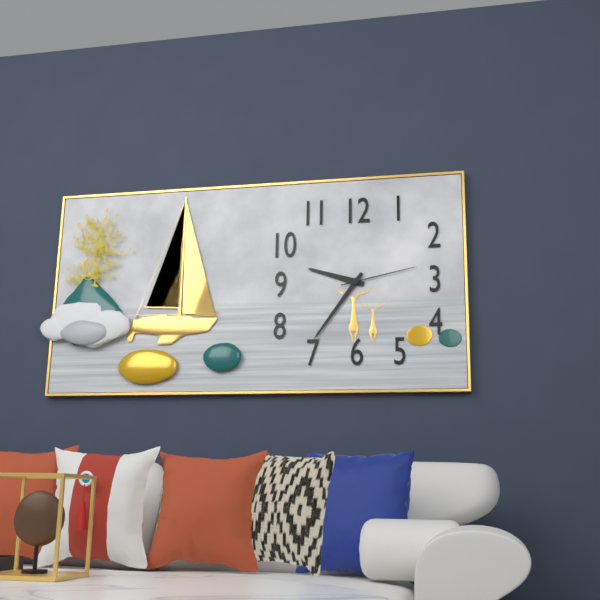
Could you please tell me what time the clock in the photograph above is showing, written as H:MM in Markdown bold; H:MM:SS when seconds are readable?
**9:36:13**
